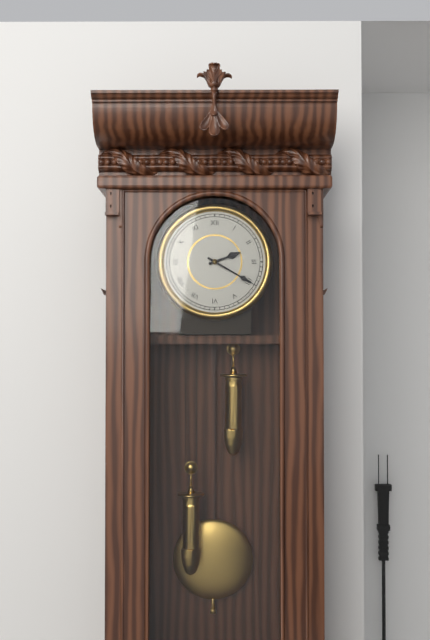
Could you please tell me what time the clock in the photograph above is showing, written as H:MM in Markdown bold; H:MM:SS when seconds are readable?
**2:20**
